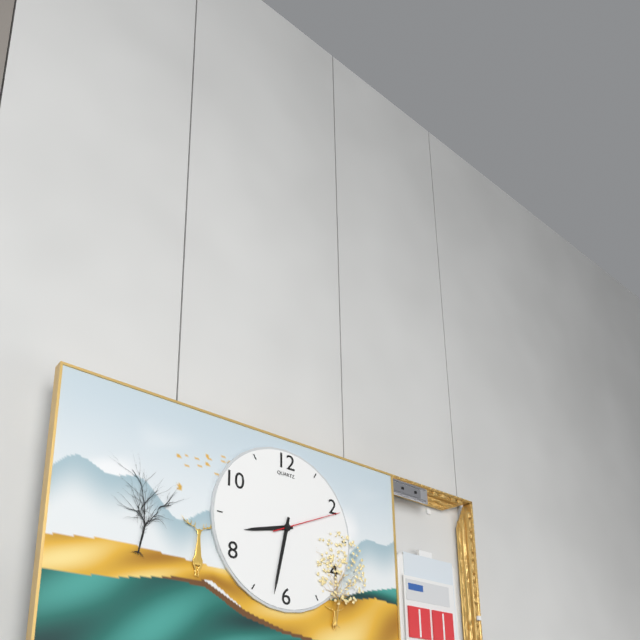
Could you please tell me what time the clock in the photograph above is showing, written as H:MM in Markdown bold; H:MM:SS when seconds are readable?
**8:32:11**
